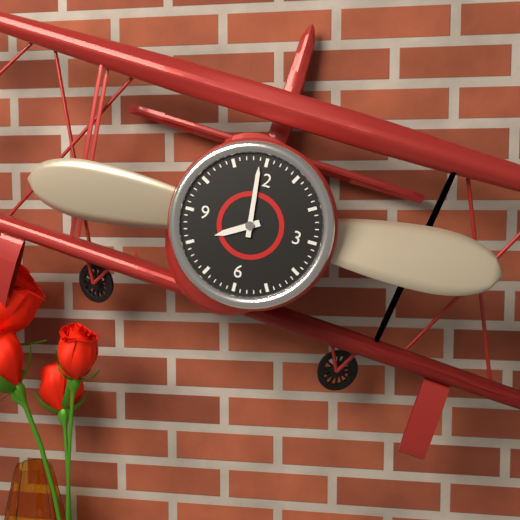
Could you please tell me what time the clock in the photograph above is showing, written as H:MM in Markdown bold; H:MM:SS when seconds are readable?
**7:59**
